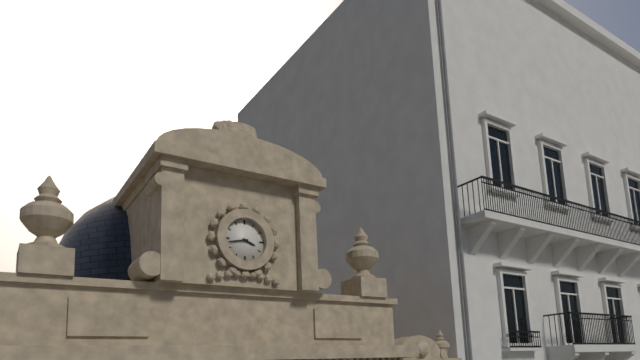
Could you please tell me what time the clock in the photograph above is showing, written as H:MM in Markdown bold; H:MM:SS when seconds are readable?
**3:43**
